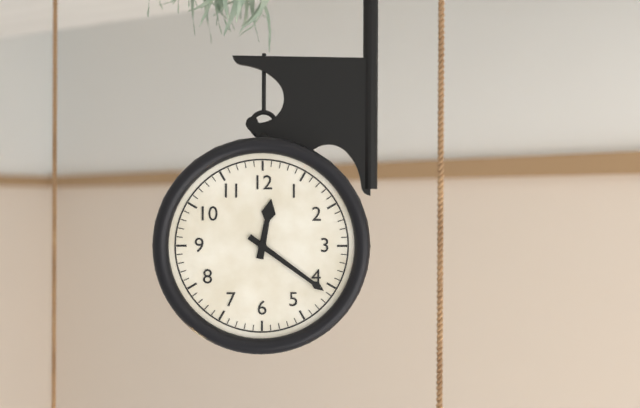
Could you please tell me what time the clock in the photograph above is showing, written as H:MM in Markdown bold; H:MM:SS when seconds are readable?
**12:21**
